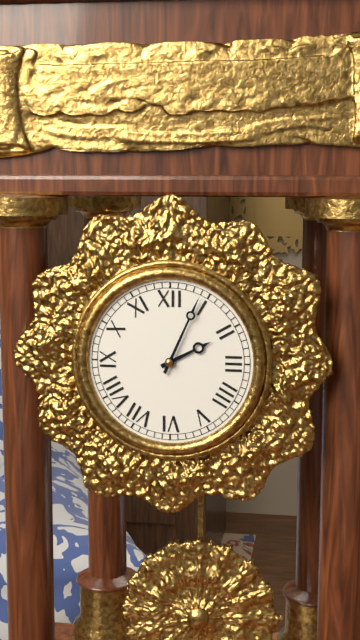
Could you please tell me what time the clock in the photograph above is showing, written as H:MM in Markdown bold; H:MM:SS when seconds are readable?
**2:04**
